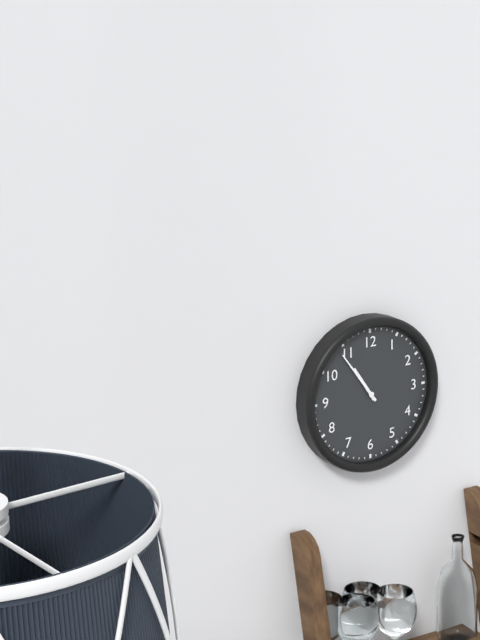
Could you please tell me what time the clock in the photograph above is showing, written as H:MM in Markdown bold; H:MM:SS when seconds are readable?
**10:54**
